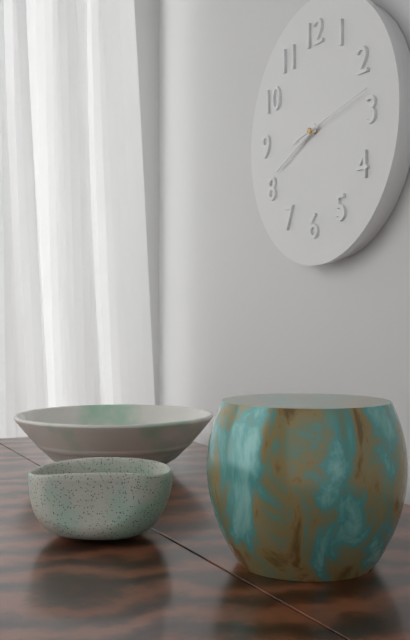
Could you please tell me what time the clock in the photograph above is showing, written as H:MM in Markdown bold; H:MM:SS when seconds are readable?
**8:41:13**
